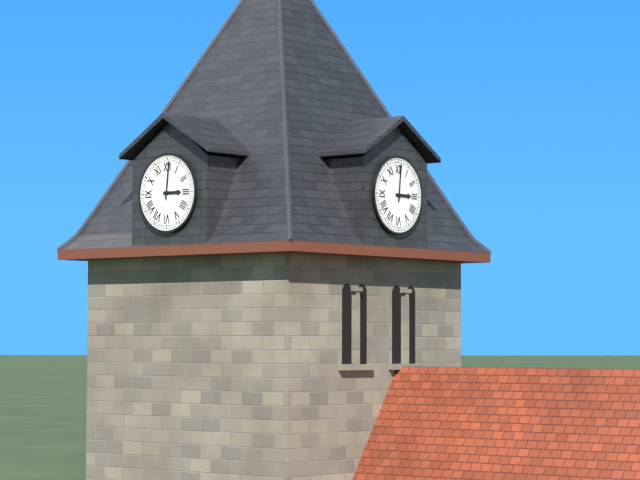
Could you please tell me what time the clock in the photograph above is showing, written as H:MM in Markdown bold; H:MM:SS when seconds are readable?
**3:01**
